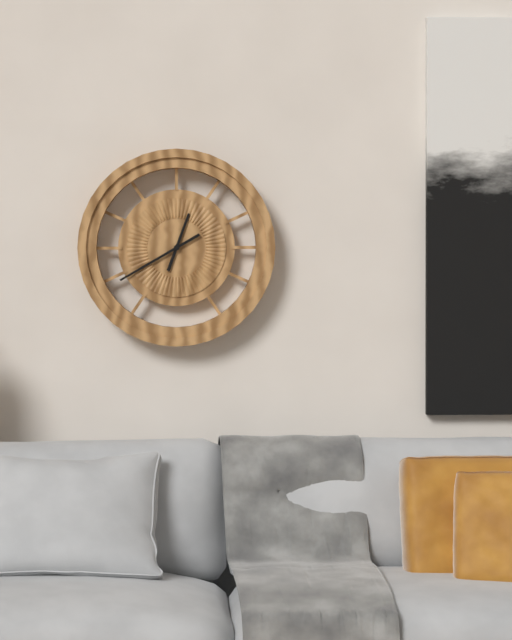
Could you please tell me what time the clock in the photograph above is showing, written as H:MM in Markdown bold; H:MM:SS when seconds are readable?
**12:40**
